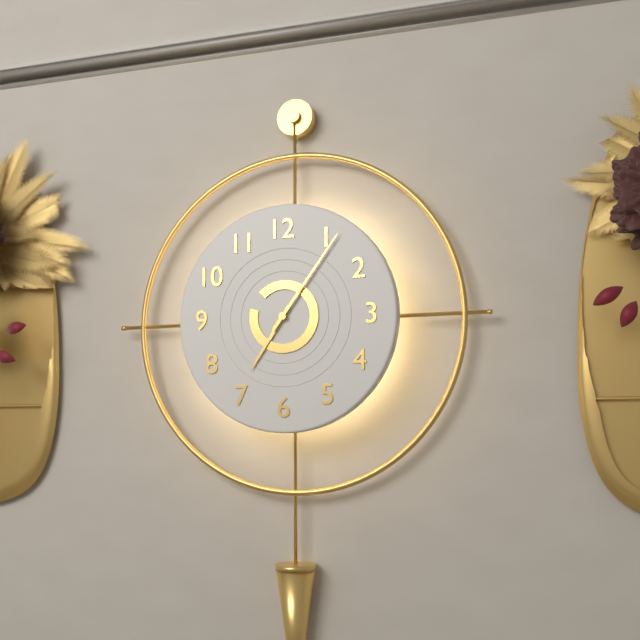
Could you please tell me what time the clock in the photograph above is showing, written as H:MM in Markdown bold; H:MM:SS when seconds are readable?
**7:06**
